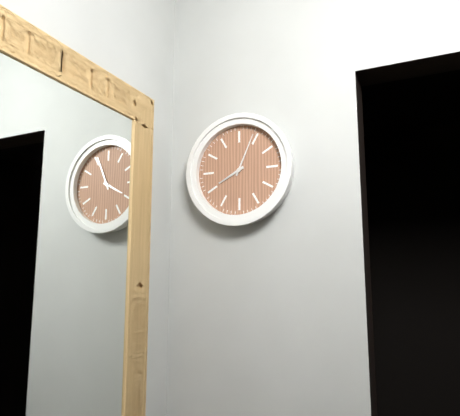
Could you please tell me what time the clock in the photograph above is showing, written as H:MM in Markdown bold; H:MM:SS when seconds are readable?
**8:04**
